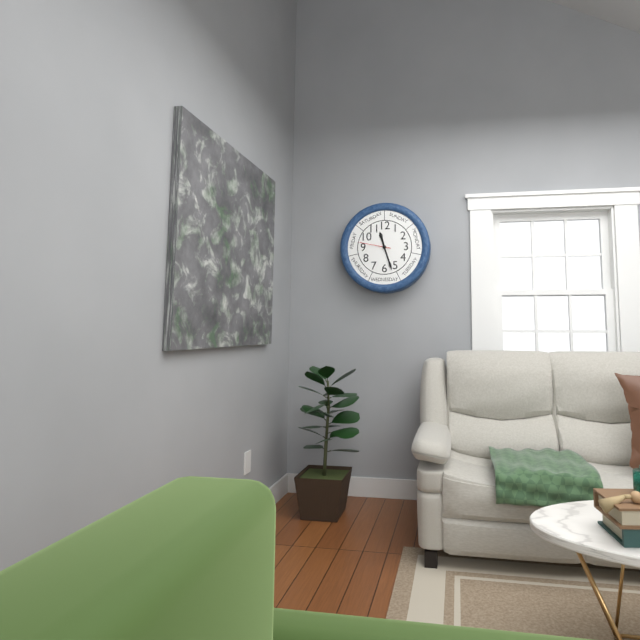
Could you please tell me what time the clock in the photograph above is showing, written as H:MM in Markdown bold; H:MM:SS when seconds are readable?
**11:27**
